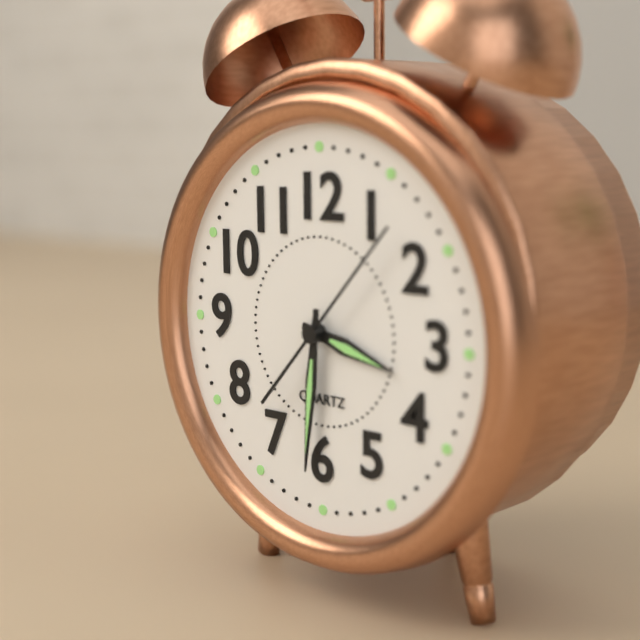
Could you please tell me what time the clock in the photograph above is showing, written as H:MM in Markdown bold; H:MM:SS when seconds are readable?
**3:31:07**
